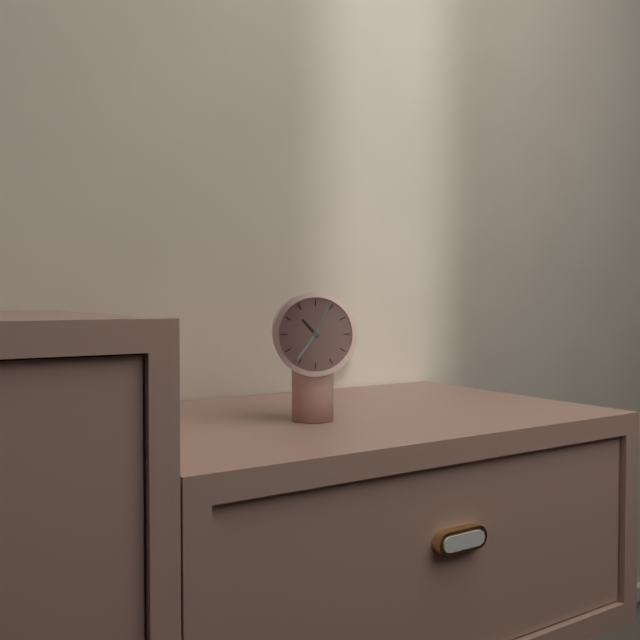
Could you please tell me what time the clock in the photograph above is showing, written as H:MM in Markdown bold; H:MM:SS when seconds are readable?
**10:36**
